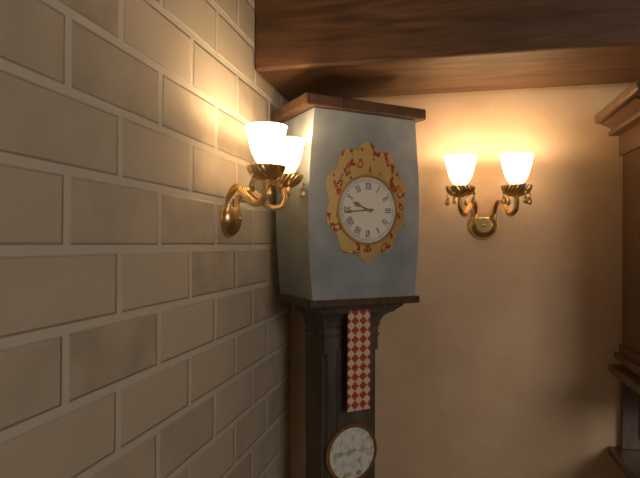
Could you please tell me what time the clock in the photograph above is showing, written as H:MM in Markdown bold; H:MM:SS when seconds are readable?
**9:44**
